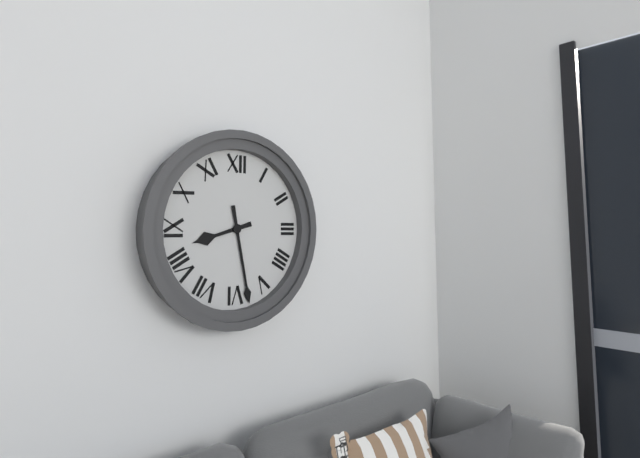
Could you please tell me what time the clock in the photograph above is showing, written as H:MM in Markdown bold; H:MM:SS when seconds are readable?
**8:28**
